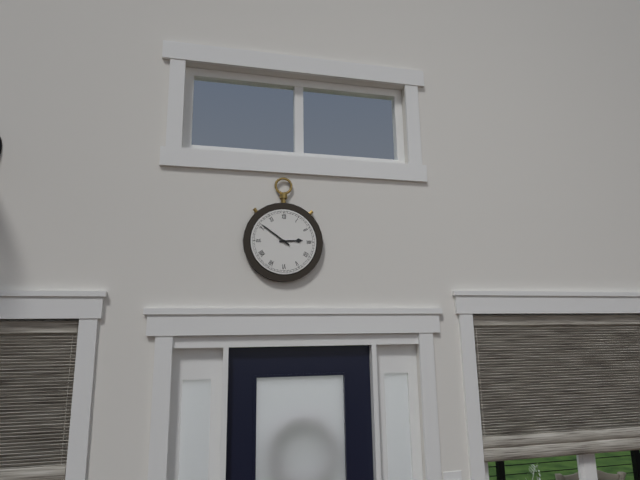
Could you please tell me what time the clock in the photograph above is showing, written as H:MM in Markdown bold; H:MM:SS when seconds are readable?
**2:51**
